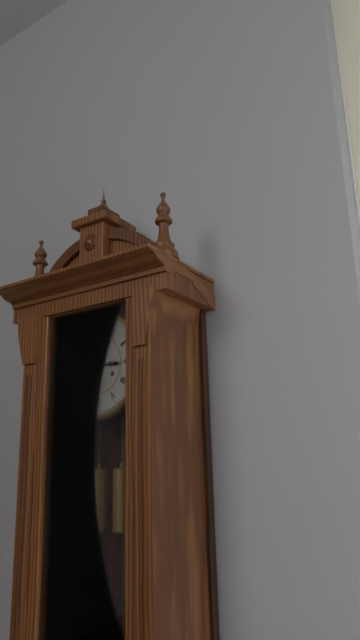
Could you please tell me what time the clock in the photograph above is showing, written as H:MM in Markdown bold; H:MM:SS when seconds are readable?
**3:05**
